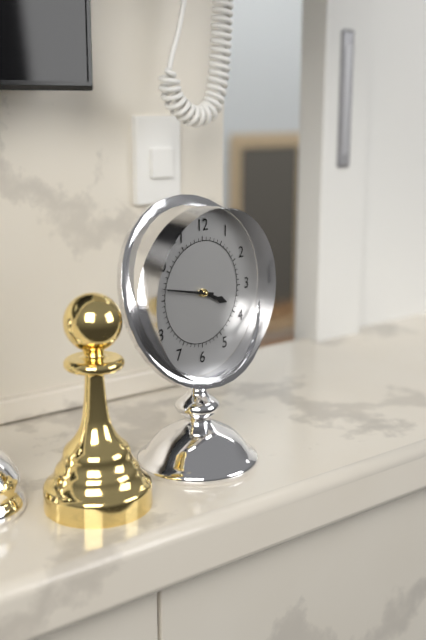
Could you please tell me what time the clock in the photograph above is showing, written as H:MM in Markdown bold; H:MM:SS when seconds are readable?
**3:47**
